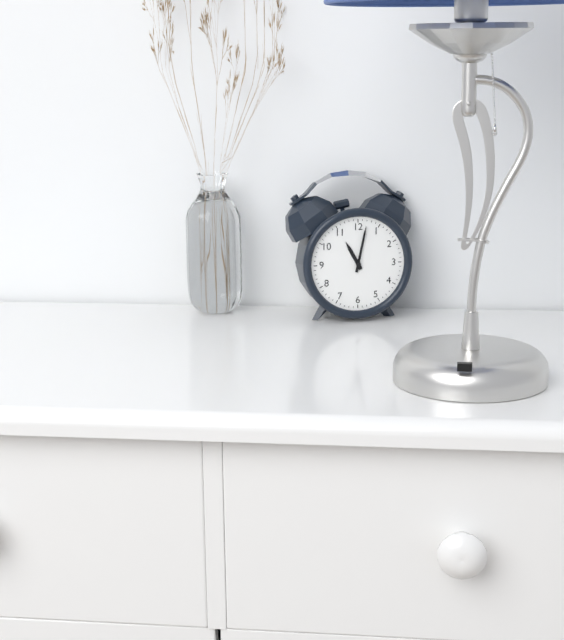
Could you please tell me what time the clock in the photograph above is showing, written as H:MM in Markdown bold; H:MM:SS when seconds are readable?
**11:02**
